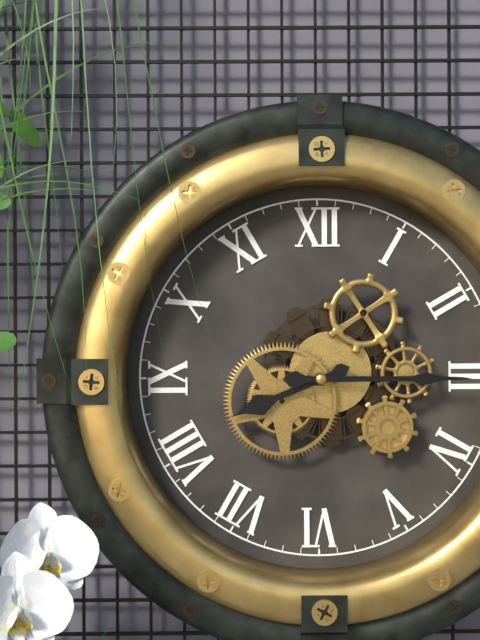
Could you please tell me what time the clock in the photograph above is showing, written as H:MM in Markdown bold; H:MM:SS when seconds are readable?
**8:15**
